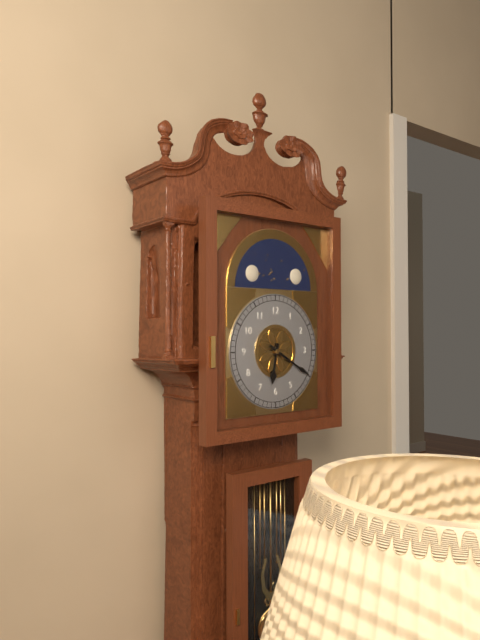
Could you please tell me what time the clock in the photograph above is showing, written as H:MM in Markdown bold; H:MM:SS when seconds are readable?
**6:20**
